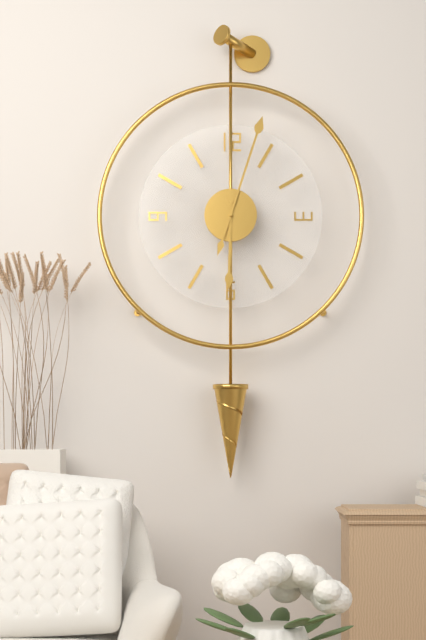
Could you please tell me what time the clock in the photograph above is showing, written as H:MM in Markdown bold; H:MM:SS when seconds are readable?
**6:03**
